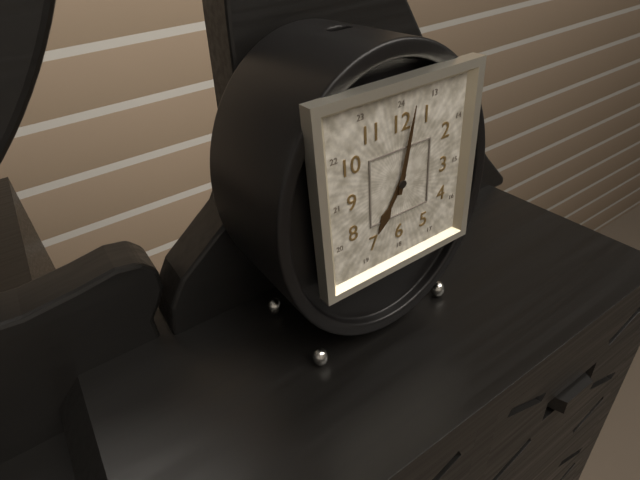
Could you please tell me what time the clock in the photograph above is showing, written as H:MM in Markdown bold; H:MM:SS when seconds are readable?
**7:02**
